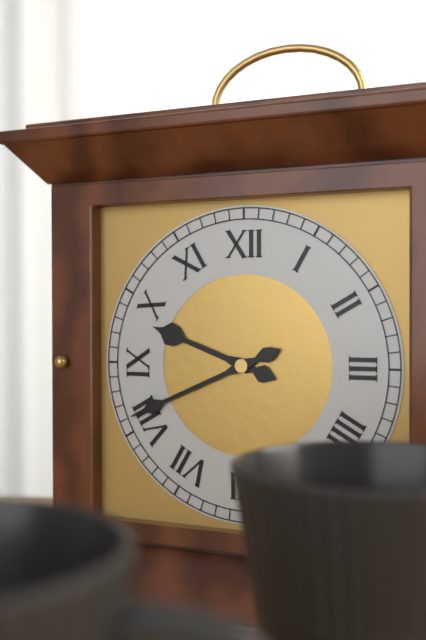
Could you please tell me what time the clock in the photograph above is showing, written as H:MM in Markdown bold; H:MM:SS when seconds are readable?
**9:41**
